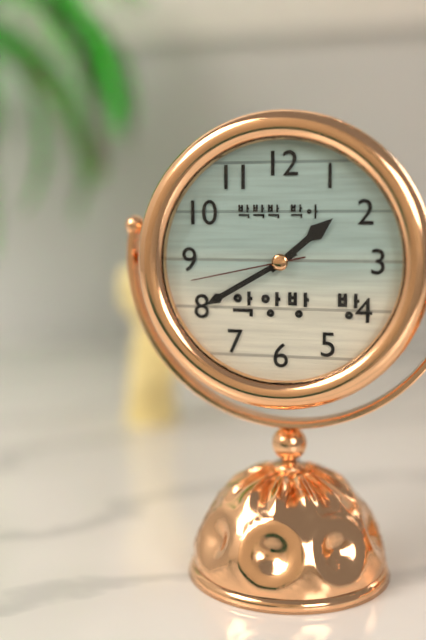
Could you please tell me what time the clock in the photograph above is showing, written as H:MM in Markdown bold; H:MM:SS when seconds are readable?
**1:40:43**
